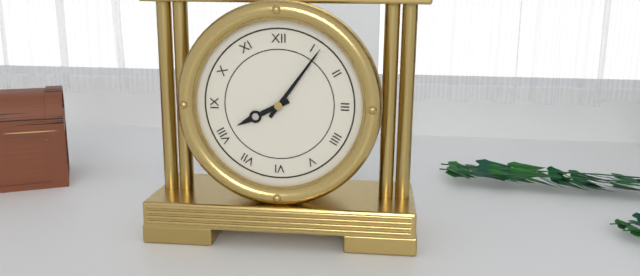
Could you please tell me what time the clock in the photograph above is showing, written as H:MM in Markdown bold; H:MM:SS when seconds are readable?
**8:06**
